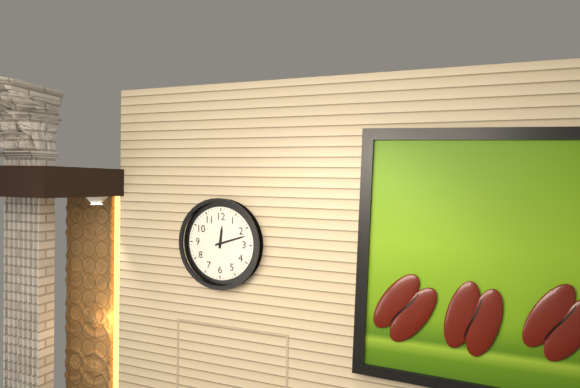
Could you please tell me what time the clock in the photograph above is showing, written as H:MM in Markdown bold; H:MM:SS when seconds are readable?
**12:12**
